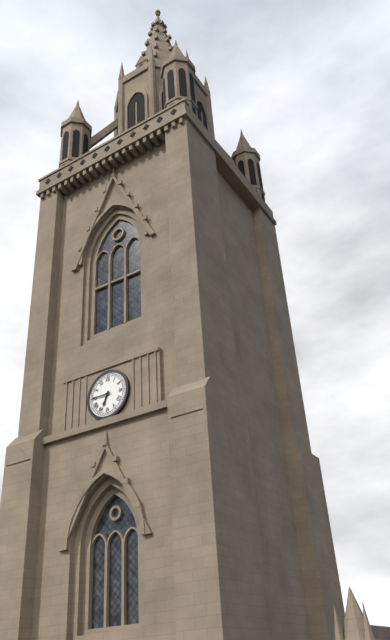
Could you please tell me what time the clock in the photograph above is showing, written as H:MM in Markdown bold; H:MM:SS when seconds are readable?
**6:45**
